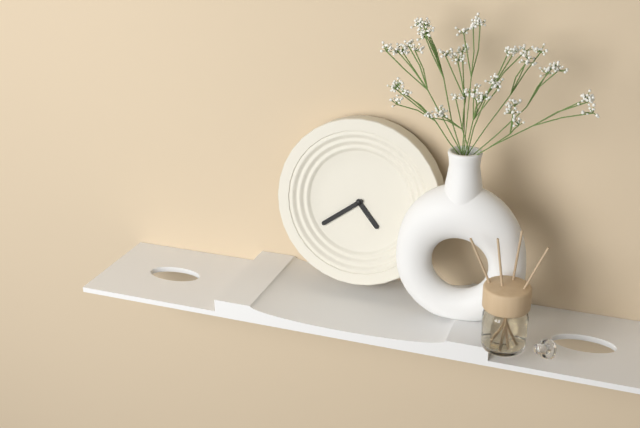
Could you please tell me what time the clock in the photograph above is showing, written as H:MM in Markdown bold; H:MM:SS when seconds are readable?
**4:39**
